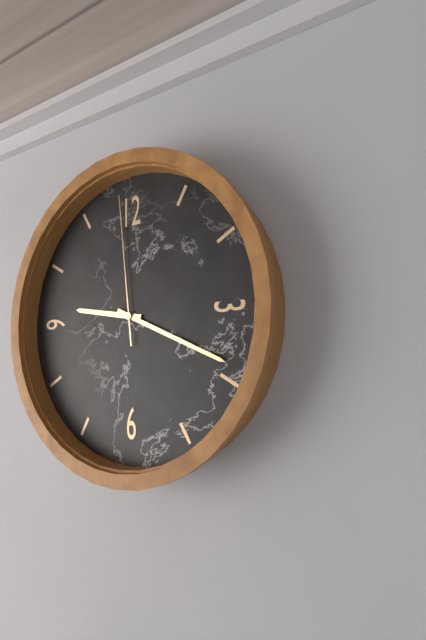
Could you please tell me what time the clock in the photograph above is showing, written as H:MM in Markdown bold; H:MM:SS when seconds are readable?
**9:19:59**
